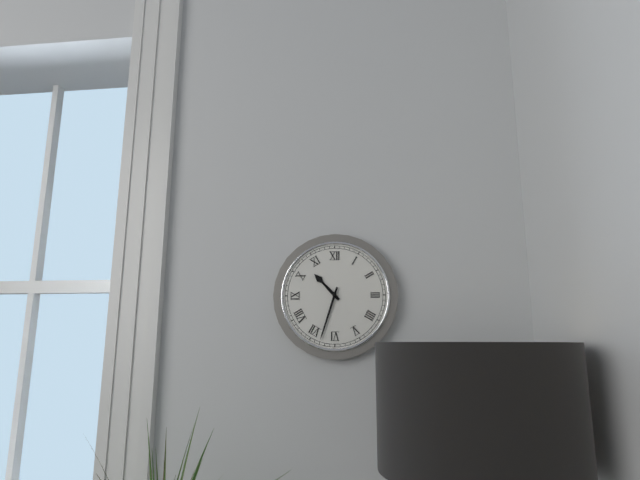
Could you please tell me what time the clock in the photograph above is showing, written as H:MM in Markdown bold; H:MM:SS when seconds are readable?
**10:33**
